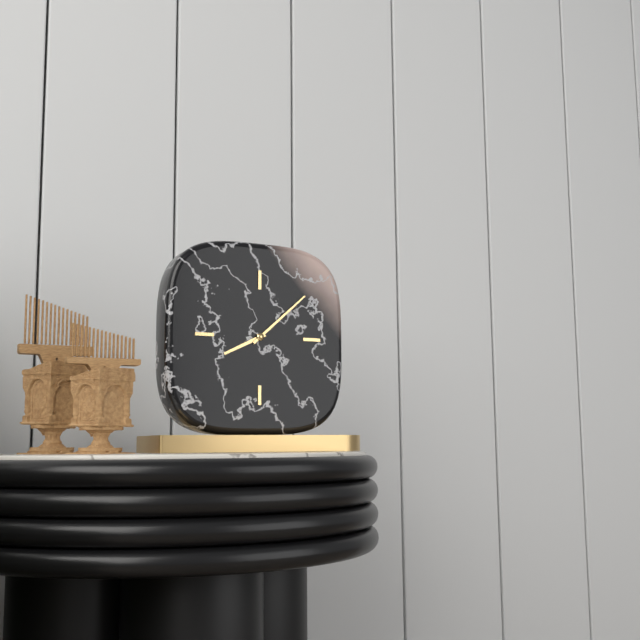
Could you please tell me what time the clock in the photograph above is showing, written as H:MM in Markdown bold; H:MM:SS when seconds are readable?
**8:08**
